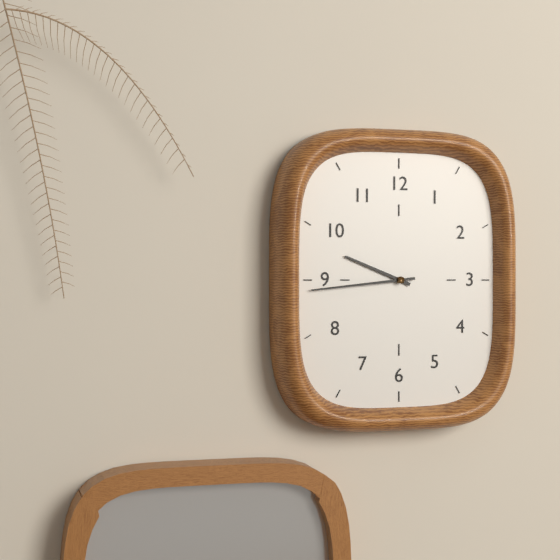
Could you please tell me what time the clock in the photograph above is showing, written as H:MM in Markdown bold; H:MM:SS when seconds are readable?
**9:44**
